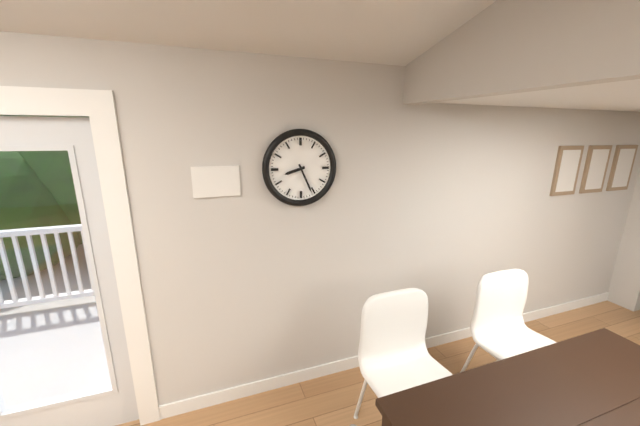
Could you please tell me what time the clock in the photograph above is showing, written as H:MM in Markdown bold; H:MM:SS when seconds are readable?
**8:26**
